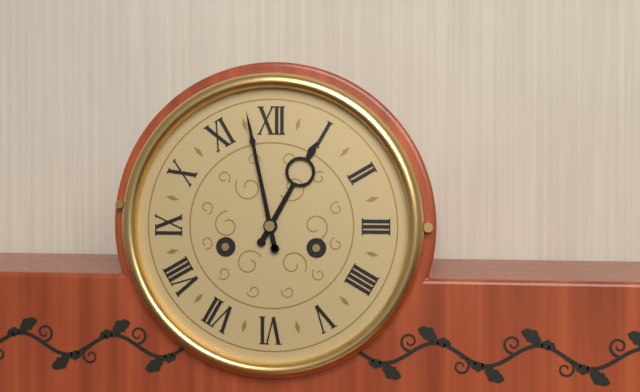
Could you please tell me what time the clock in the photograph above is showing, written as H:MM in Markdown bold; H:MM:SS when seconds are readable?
**12:58**
